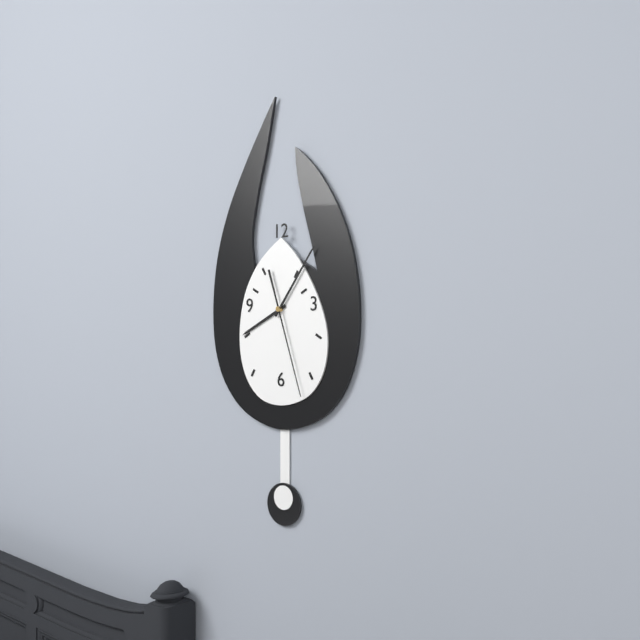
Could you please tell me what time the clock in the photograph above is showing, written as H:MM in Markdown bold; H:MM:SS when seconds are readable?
**8:06:27**
